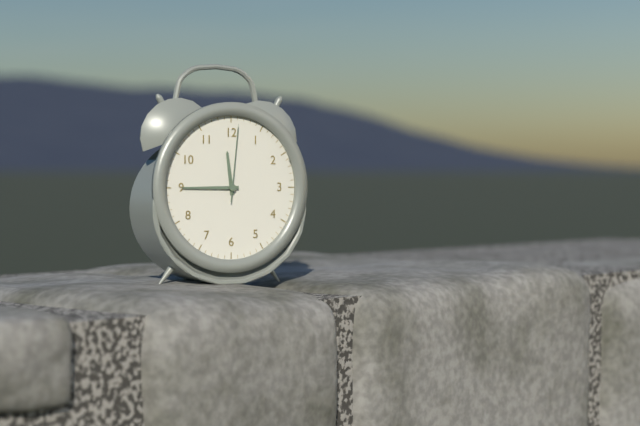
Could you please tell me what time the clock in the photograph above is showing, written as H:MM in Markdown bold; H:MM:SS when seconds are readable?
**11:45:01**
